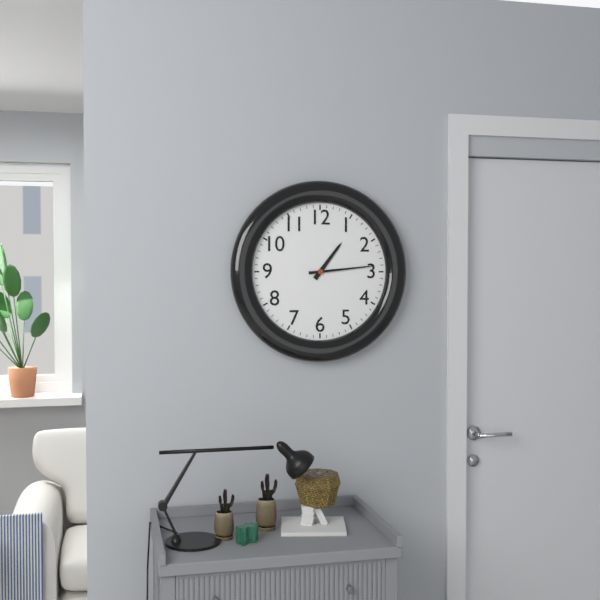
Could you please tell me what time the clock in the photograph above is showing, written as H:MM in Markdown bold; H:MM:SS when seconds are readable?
**1:14**
